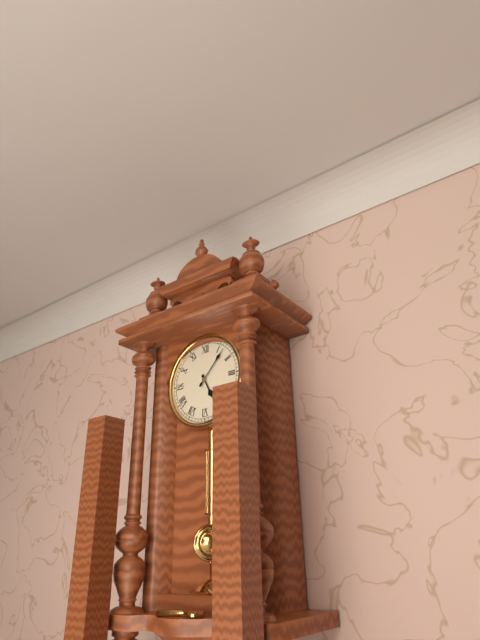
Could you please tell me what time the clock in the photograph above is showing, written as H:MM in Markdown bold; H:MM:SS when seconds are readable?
**5:07**
